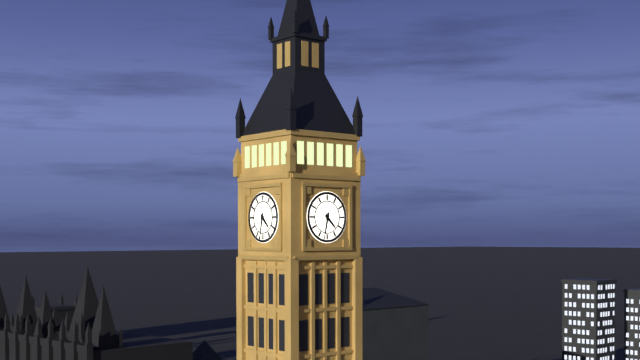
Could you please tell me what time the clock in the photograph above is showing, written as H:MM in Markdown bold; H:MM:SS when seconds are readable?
**4:32**
